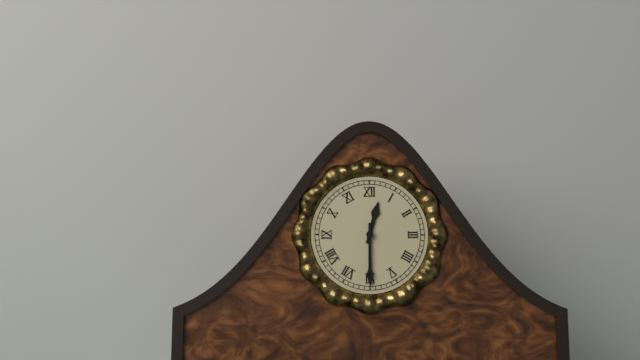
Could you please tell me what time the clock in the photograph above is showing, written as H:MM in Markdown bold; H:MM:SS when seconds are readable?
**12:30**
